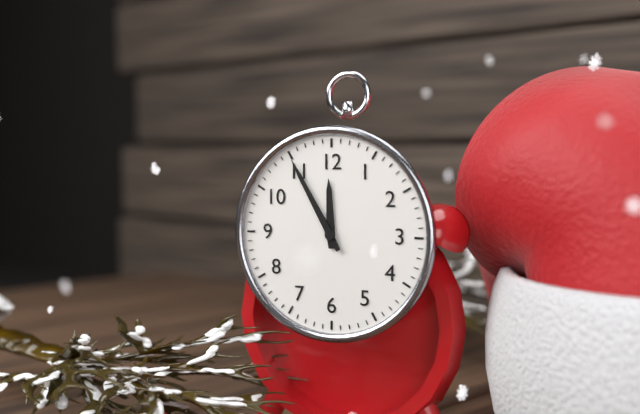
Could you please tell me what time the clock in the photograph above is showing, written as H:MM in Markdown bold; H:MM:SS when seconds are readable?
**11:55**
